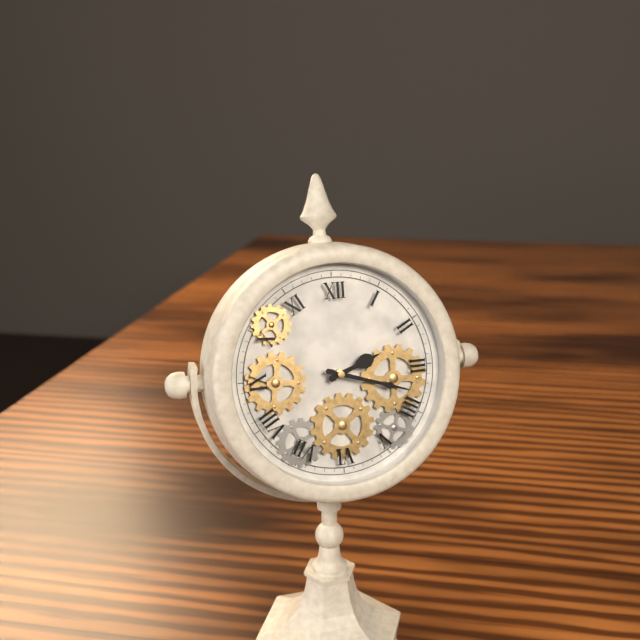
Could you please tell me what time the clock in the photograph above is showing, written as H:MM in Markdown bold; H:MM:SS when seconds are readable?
**2:18**
